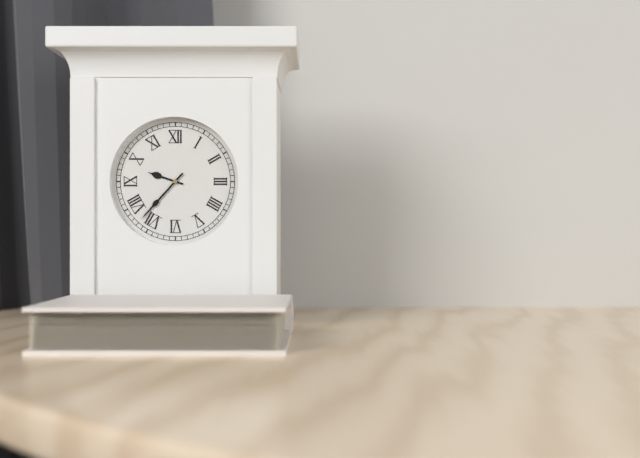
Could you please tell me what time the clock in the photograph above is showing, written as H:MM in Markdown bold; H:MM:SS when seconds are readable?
**9:37**
